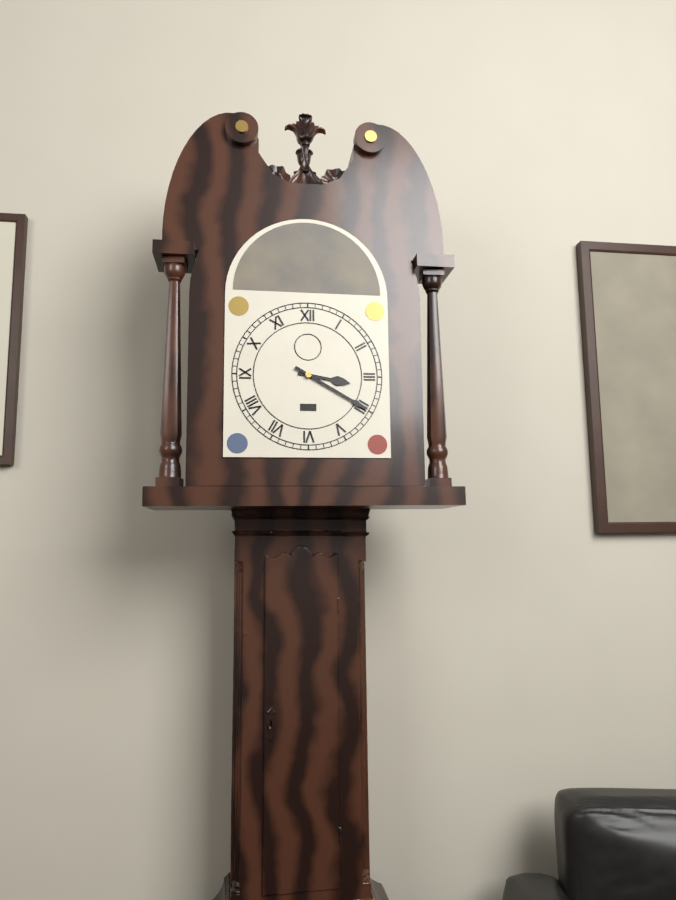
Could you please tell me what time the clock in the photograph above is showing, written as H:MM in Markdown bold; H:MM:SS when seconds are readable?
**3:20**
